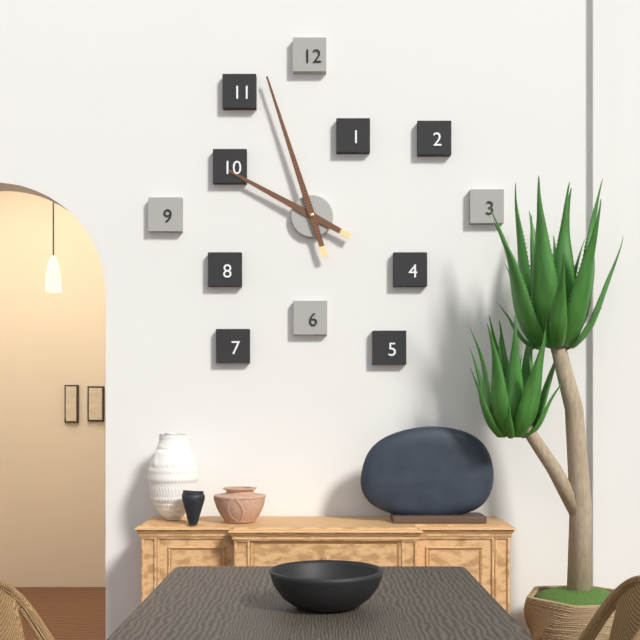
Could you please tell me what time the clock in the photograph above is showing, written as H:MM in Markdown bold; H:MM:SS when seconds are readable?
**9:57**
